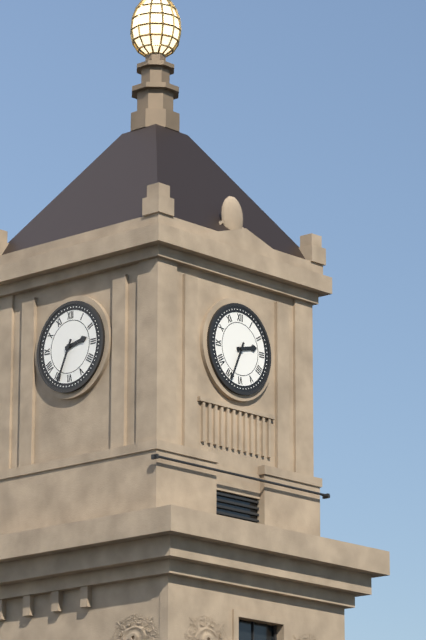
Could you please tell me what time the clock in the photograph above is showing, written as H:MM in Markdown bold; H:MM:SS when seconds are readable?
**2:34**
